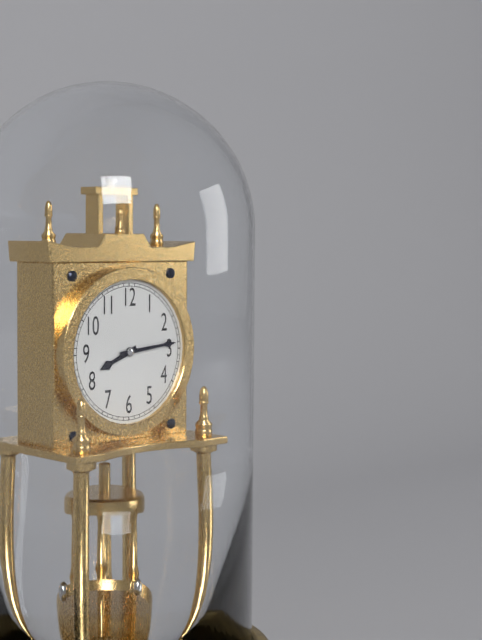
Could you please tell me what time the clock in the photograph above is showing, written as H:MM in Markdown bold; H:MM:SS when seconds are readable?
**8:14**
